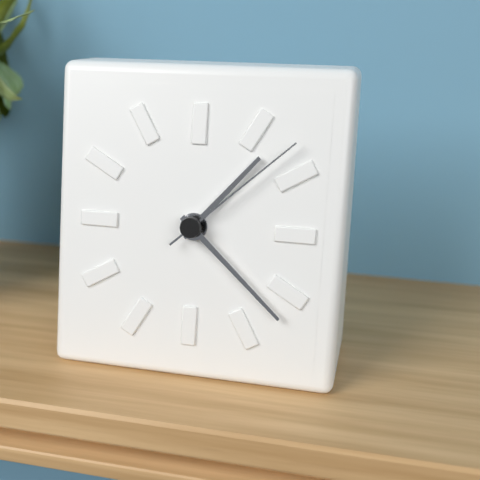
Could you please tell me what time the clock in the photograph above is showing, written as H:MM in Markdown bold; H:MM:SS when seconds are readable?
**1:22:08**
